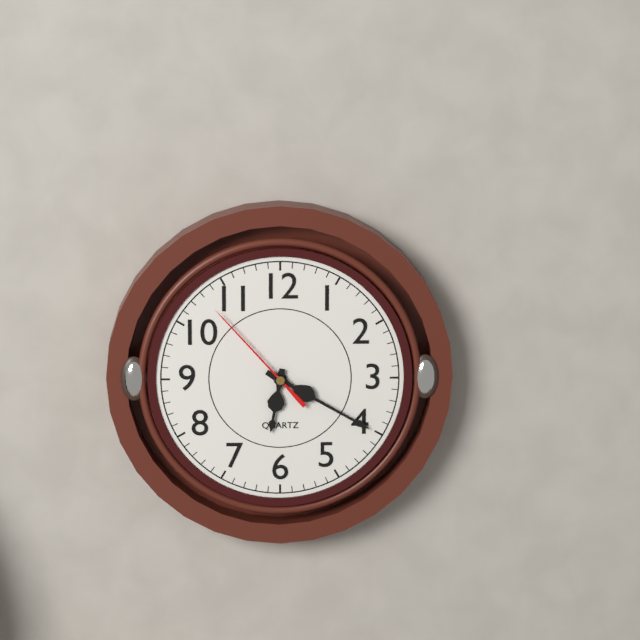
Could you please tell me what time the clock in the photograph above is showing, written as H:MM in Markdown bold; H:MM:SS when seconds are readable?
**6:20:53**
